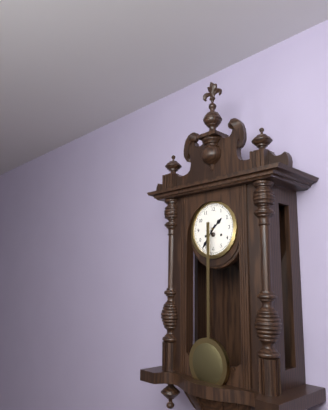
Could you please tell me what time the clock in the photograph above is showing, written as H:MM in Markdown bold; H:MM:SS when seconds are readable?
**1:36**
